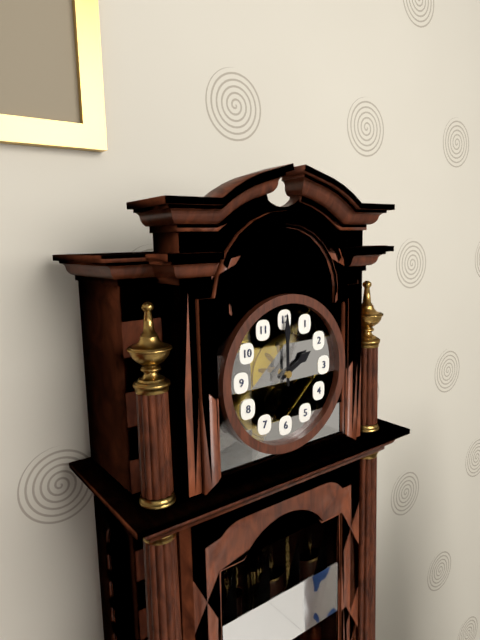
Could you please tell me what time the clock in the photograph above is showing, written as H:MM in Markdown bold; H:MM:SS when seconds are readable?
**2:00**
